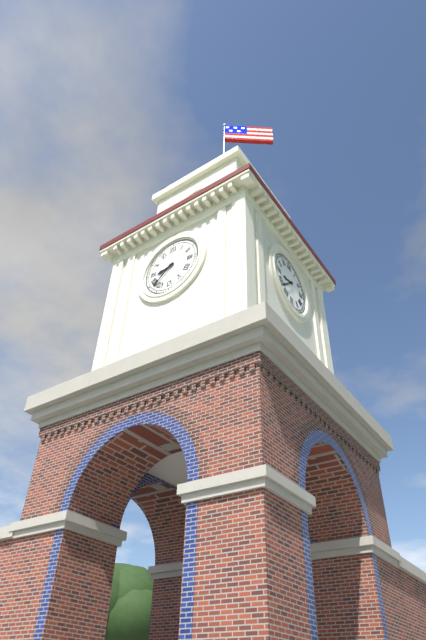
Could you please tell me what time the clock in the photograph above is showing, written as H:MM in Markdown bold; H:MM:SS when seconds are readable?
**8:38**
